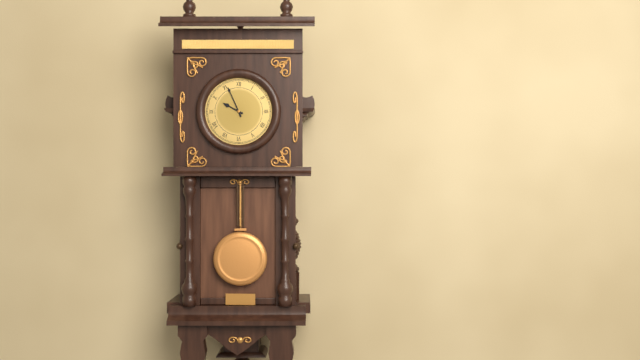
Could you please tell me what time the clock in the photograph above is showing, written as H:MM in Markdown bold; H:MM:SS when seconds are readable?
**9:56**
